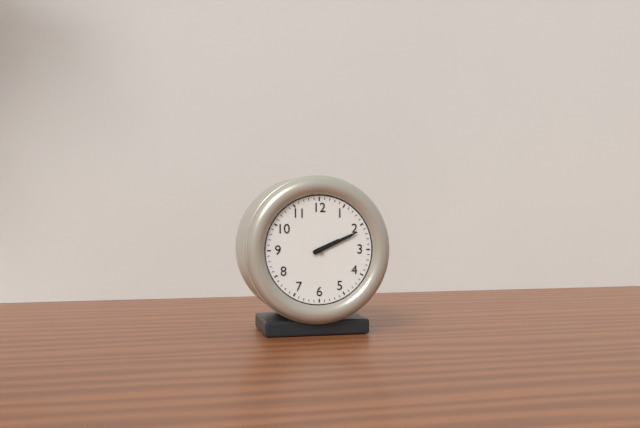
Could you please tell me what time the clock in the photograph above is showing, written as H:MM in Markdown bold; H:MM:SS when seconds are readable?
**2:11**
